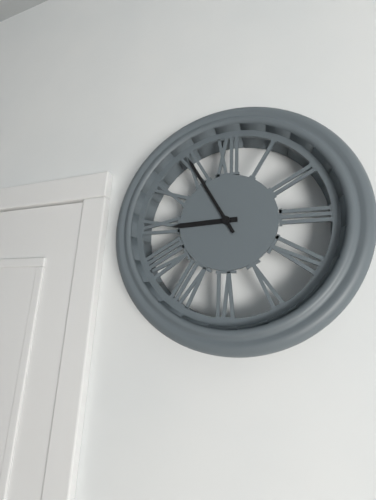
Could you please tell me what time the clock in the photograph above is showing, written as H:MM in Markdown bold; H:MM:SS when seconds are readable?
**8:55**
